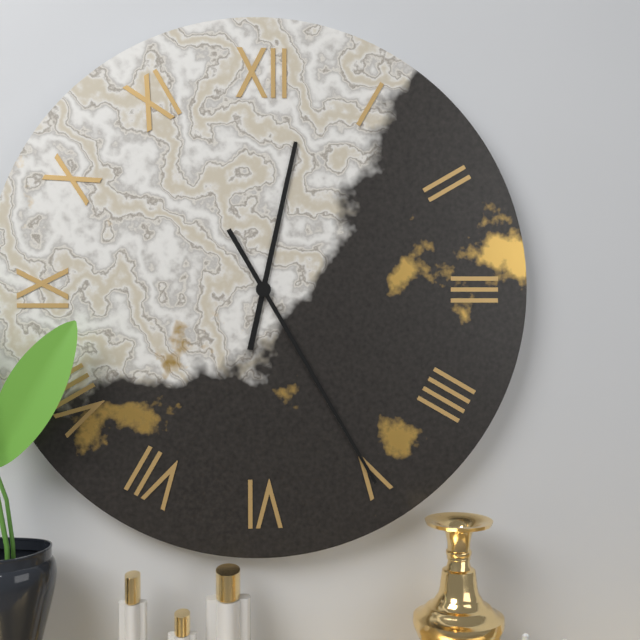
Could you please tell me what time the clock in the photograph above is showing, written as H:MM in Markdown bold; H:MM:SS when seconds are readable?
**12:25**
